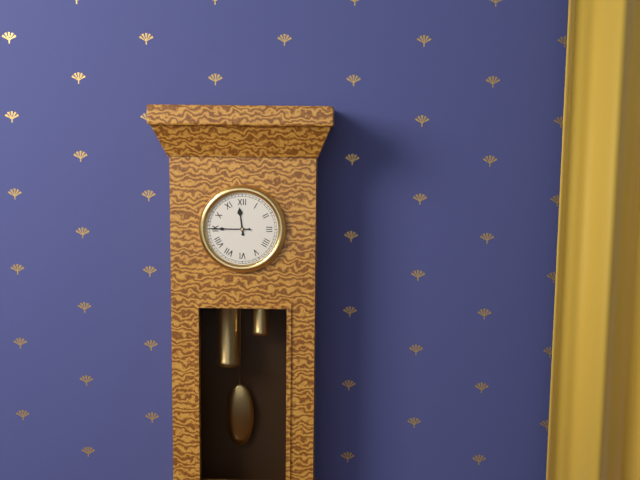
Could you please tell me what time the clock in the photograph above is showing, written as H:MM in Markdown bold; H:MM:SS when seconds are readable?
**11:45**
